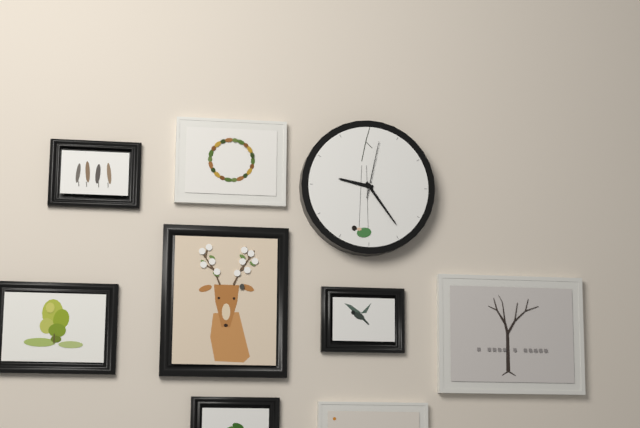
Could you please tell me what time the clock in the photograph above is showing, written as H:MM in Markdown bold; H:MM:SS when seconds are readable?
**9:24:02**
